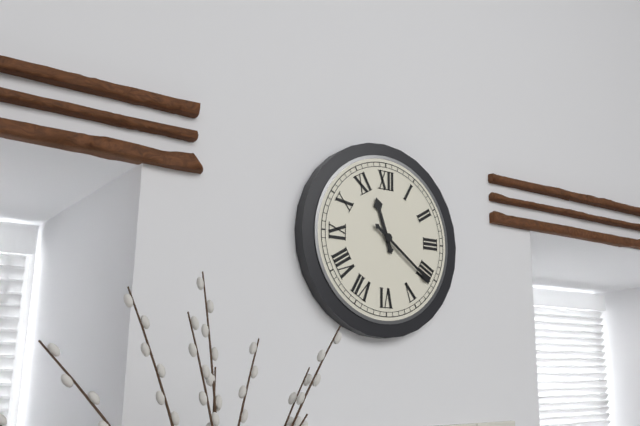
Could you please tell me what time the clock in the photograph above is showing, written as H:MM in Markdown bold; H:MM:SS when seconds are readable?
**11:21**
